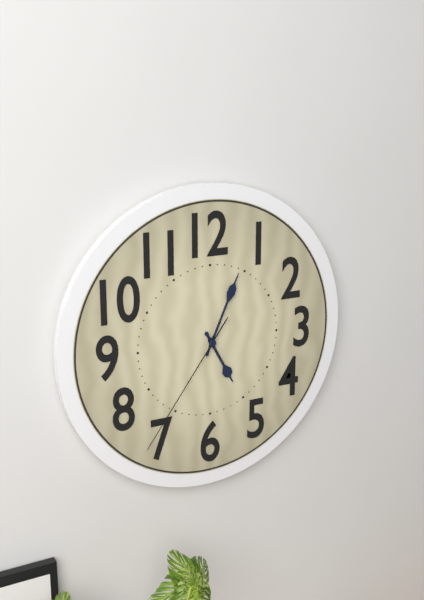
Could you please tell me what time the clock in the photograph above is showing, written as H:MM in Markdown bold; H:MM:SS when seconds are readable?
**5:04:36**
